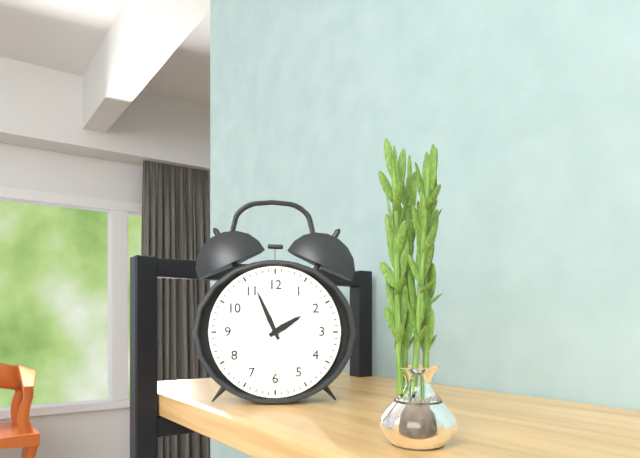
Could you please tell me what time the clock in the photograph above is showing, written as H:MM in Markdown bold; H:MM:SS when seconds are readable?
**1:56**
